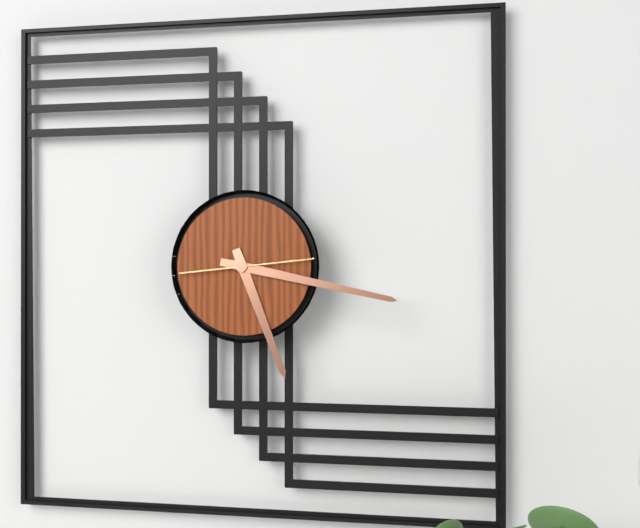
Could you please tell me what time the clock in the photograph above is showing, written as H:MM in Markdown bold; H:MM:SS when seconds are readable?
**5:17:14**
